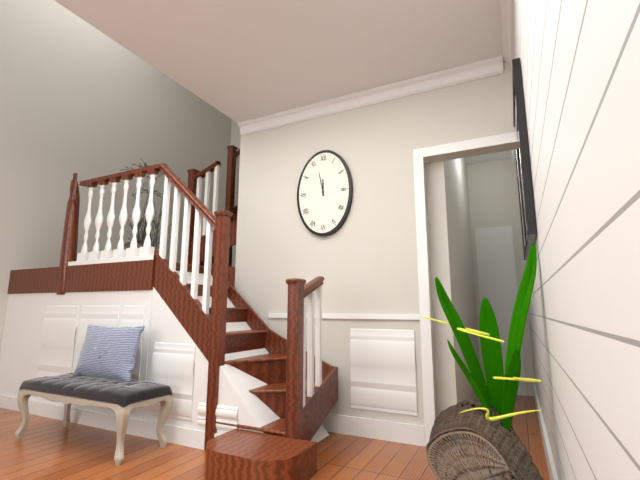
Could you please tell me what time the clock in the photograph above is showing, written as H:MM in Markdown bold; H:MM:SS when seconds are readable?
**11:58**
